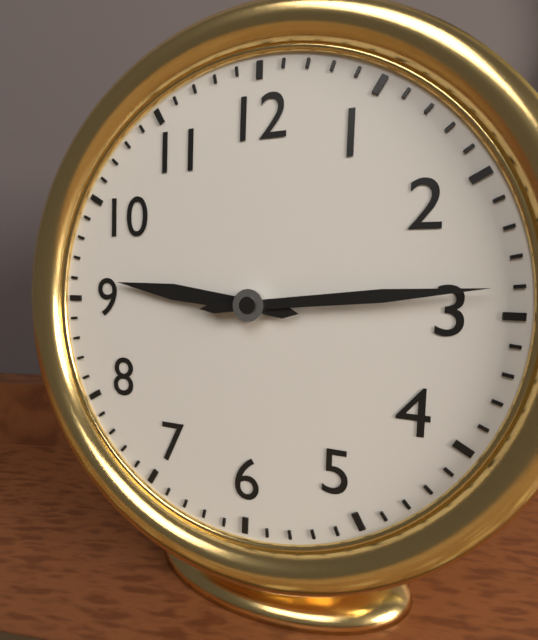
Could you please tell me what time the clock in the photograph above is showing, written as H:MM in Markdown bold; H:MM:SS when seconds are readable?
**9:14**
